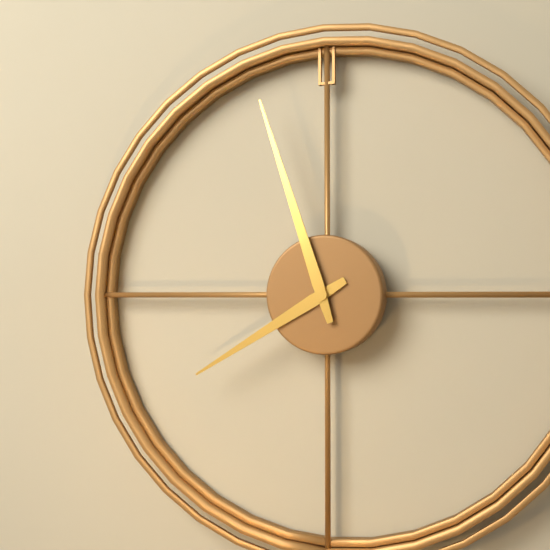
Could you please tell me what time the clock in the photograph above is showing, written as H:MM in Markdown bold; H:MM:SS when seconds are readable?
**7:57**
